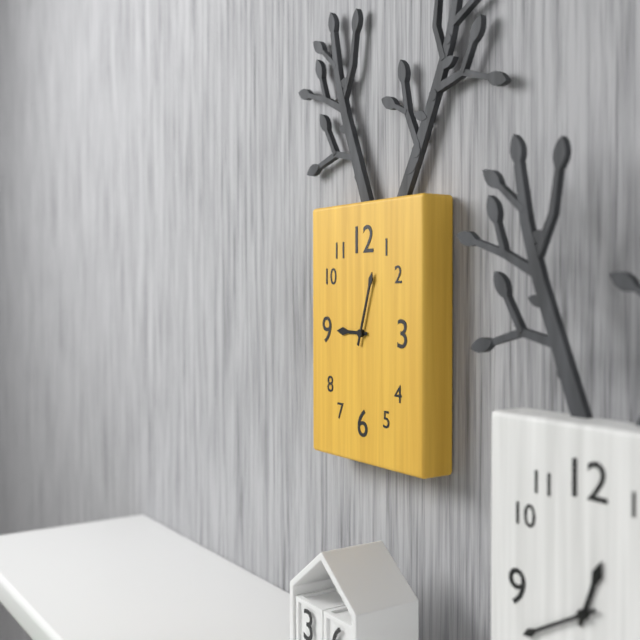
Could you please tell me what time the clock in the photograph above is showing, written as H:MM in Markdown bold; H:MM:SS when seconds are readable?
**9:03**
